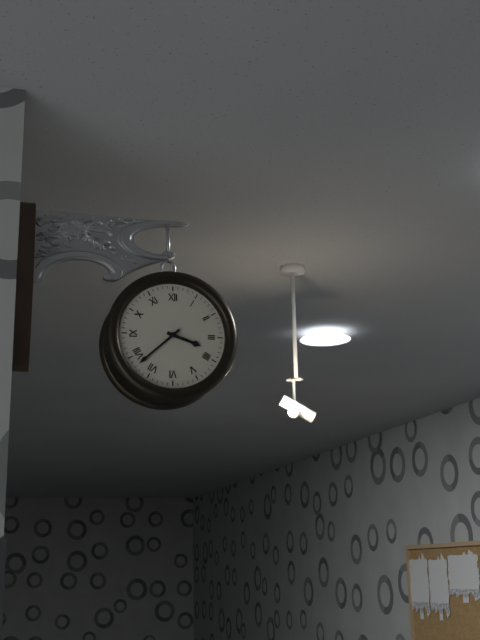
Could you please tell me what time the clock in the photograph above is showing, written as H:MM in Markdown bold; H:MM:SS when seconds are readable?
**3:38**
